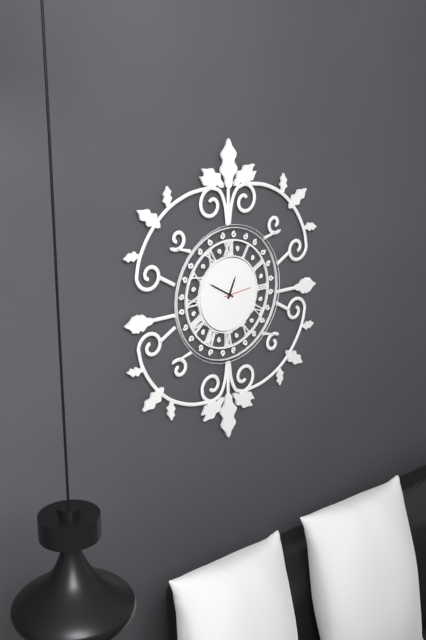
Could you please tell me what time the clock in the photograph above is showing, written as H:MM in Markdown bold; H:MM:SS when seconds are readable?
**12:50**
